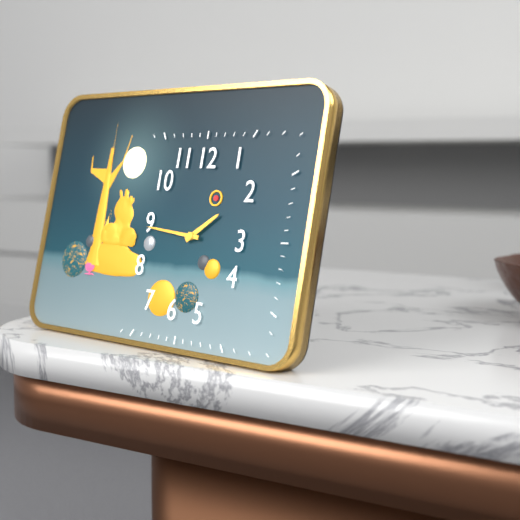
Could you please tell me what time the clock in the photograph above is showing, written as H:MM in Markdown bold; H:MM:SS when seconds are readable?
**1:46**
